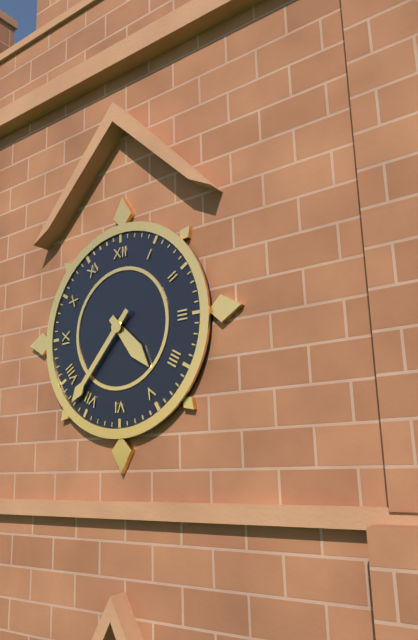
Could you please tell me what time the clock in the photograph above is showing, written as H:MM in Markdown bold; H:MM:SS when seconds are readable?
**4:37**
